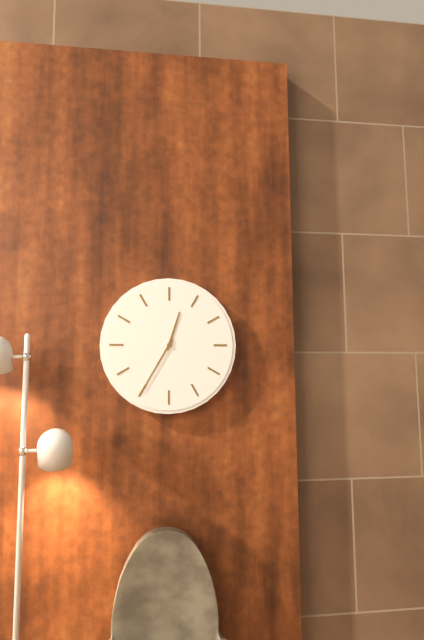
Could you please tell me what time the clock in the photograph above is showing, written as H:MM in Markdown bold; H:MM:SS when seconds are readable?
**12:35**
